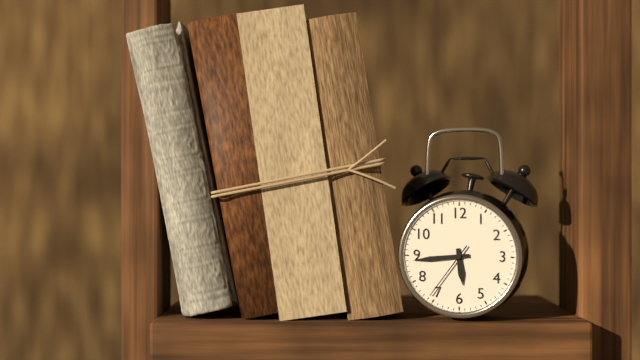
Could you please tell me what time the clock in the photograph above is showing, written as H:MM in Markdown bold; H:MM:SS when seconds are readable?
**5:44:36**
